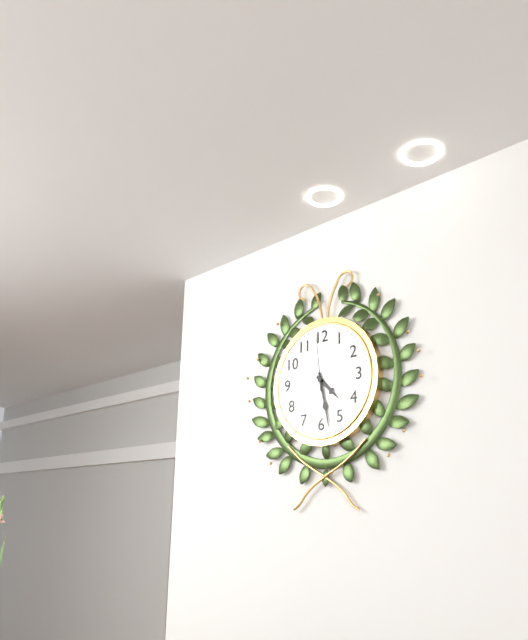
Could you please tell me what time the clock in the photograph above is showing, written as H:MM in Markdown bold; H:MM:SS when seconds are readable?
**4:28:59**
